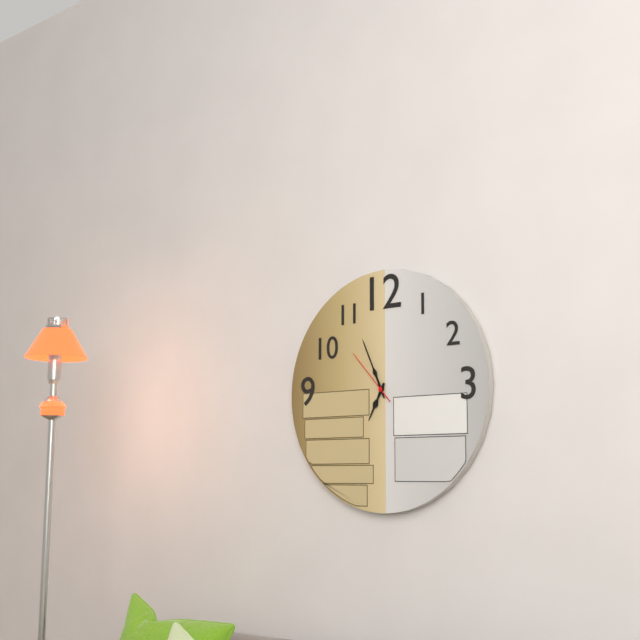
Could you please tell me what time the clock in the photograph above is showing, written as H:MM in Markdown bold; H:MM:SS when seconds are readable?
**6:56:53**
